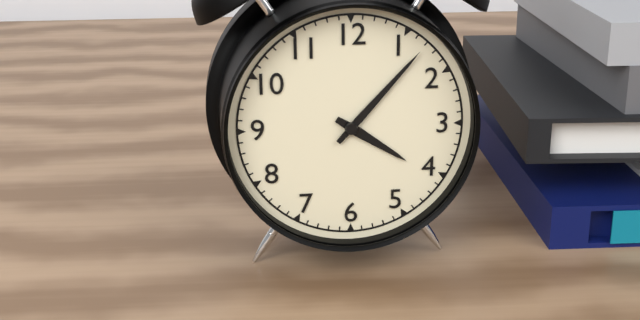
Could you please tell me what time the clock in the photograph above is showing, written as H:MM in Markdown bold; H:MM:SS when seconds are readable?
**4:07**
